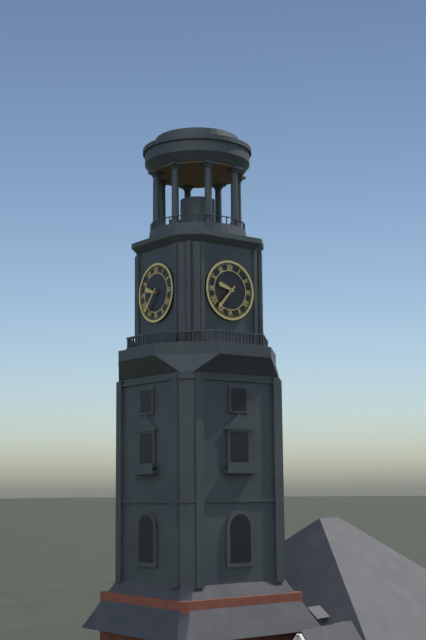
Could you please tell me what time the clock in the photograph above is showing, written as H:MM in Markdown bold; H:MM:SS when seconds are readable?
**9:37**
